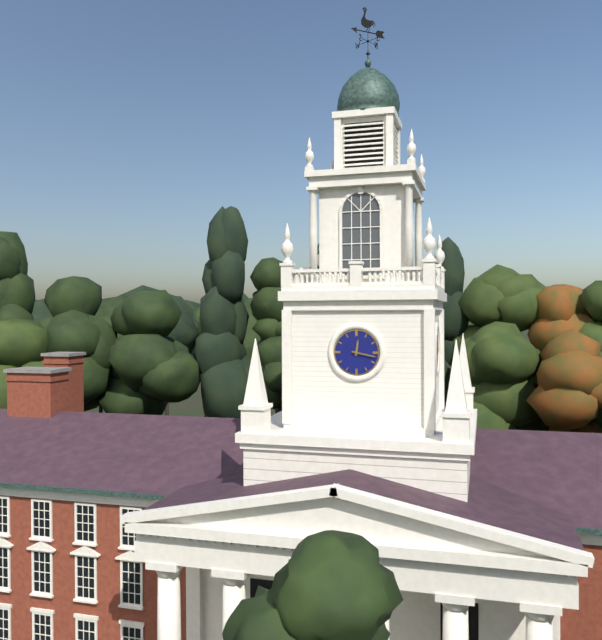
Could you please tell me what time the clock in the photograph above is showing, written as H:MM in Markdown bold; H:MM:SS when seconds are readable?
**12:17**
